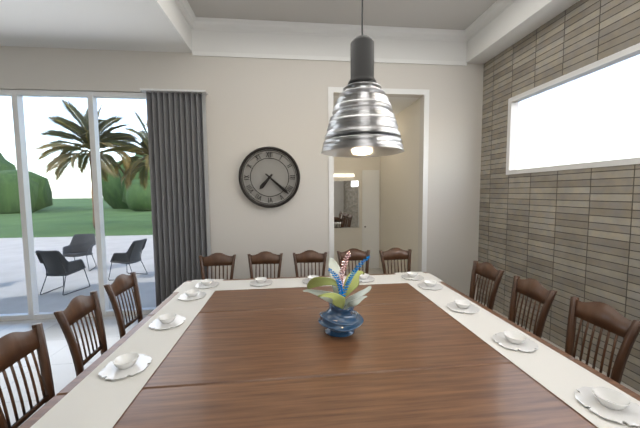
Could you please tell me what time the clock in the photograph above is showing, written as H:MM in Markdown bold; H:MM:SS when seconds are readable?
**7:22**
